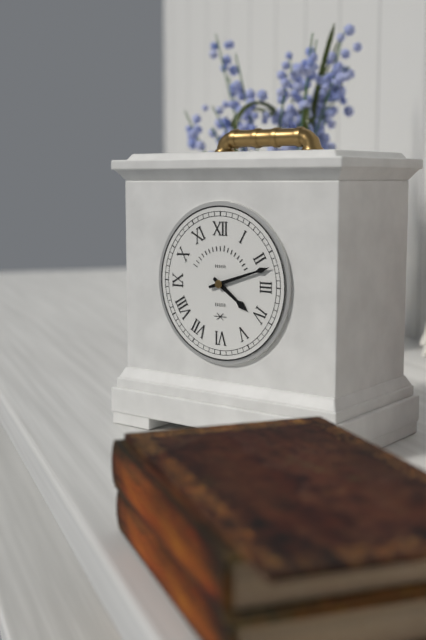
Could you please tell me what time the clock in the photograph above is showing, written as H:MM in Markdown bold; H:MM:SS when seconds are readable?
**4:12**
